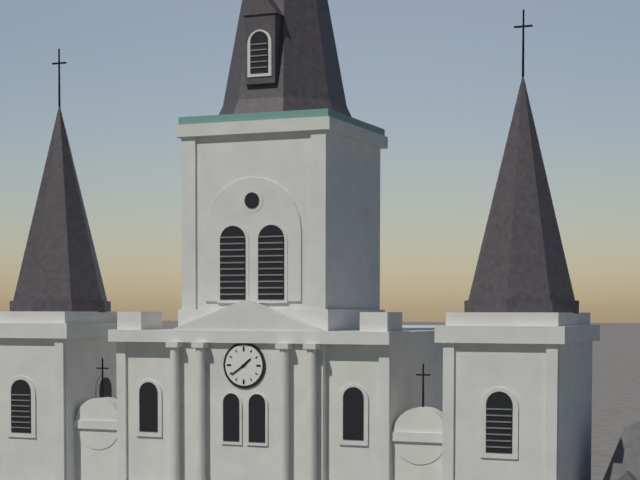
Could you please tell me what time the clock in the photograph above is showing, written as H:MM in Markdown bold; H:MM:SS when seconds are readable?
**1:39**
